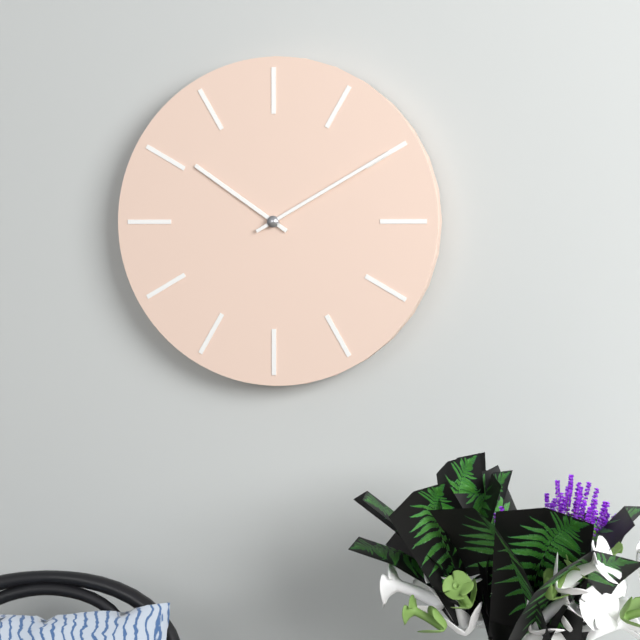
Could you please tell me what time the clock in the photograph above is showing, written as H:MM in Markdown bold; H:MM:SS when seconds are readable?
**10:10**
